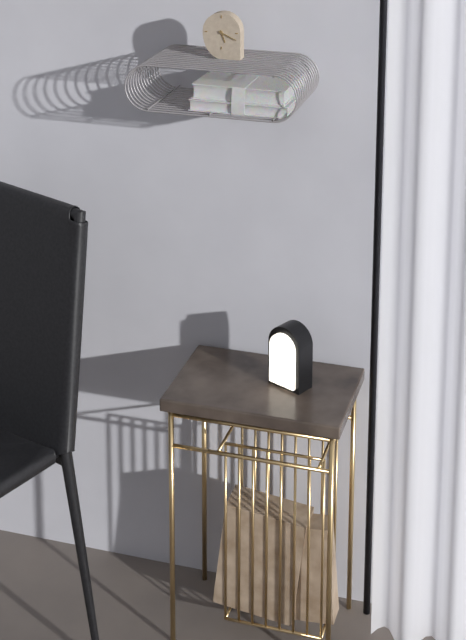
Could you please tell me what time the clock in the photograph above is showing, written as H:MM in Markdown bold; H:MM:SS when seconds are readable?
**5:19**
